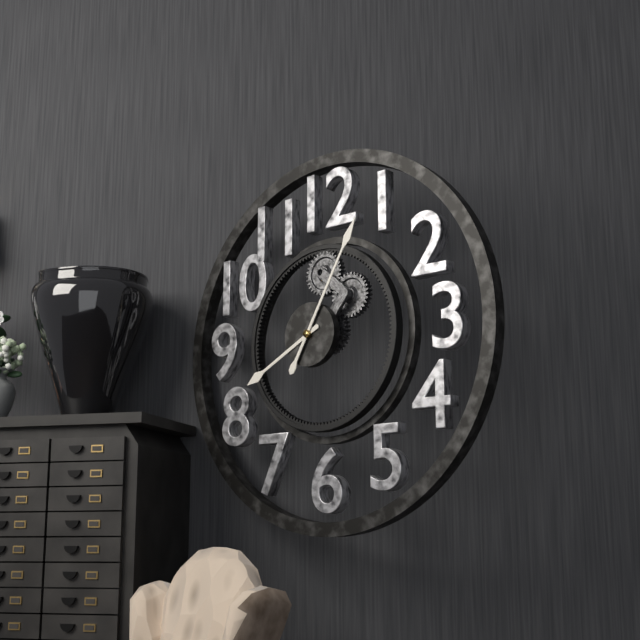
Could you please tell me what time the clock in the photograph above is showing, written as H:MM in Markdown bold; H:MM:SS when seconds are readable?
**8:05**
